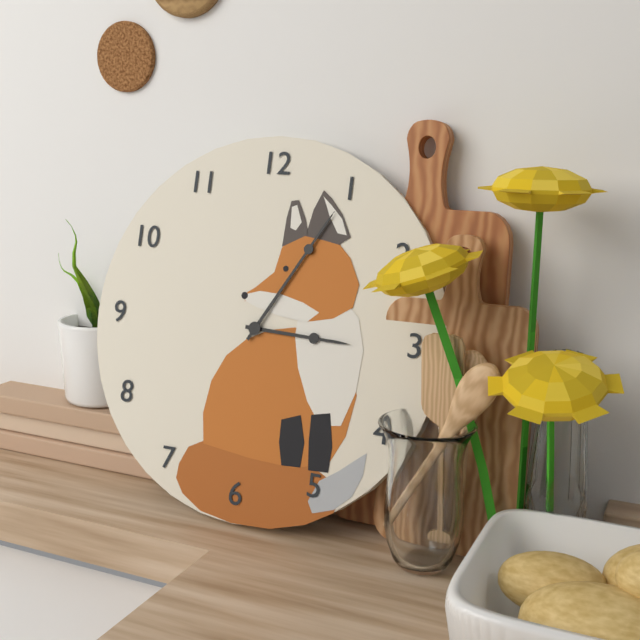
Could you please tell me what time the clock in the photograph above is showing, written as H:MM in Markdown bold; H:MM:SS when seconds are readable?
**3:05**
